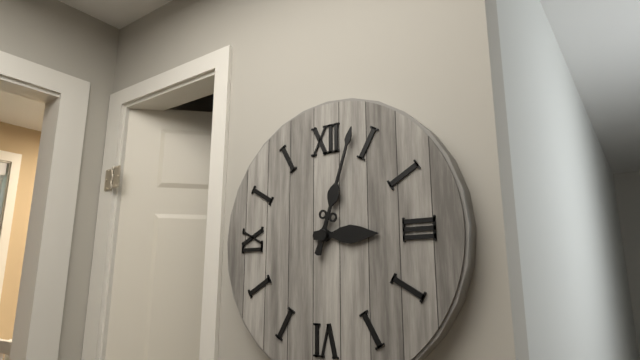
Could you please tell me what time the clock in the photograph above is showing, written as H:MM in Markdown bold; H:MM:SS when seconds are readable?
**3:03**
